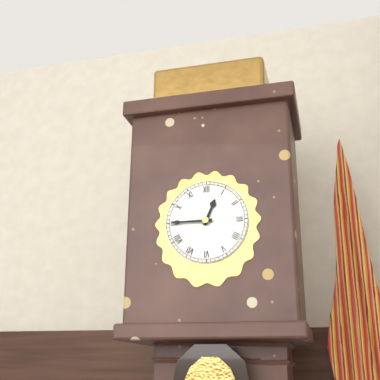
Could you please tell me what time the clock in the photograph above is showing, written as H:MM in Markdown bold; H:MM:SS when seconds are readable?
**12:45**
